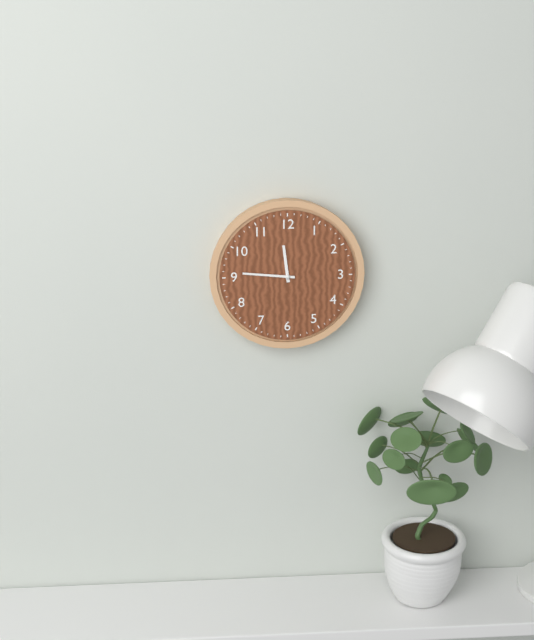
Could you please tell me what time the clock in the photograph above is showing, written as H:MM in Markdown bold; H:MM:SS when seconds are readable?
**11:46**
